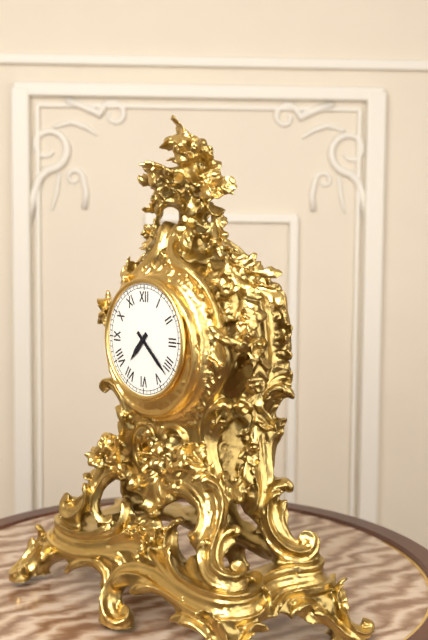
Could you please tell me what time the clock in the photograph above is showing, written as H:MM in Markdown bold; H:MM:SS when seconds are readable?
**7:22**
